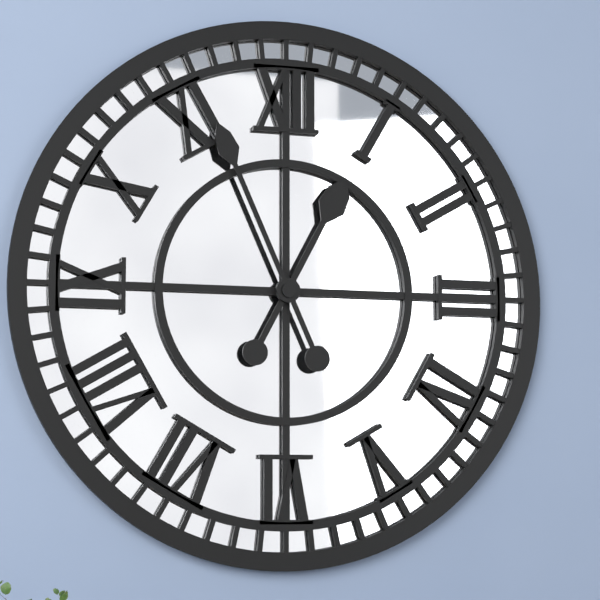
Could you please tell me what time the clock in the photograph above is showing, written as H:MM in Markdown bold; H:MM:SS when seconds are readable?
**12:56**
